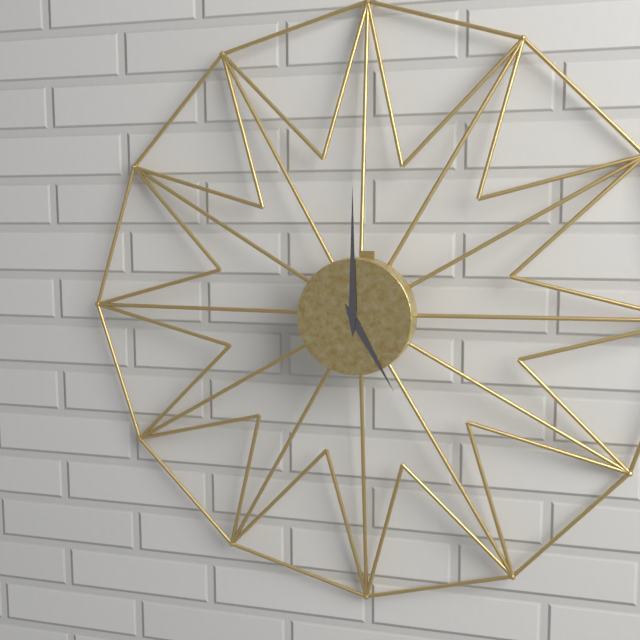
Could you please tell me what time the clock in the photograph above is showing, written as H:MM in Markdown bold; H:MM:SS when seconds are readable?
**5:00**
